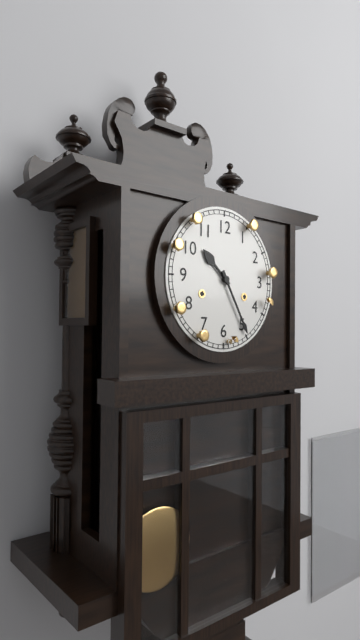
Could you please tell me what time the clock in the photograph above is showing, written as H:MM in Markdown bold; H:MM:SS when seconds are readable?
**10:25**
